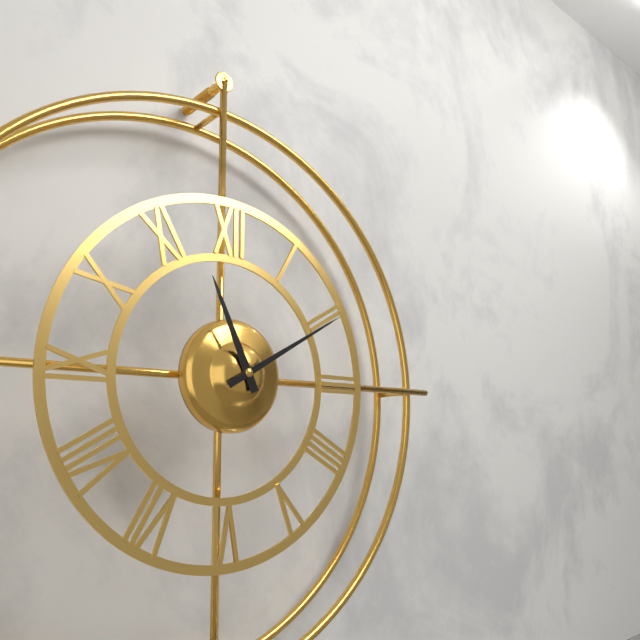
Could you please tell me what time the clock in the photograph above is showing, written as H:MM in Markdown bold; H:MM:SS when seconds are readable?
**11:10**
